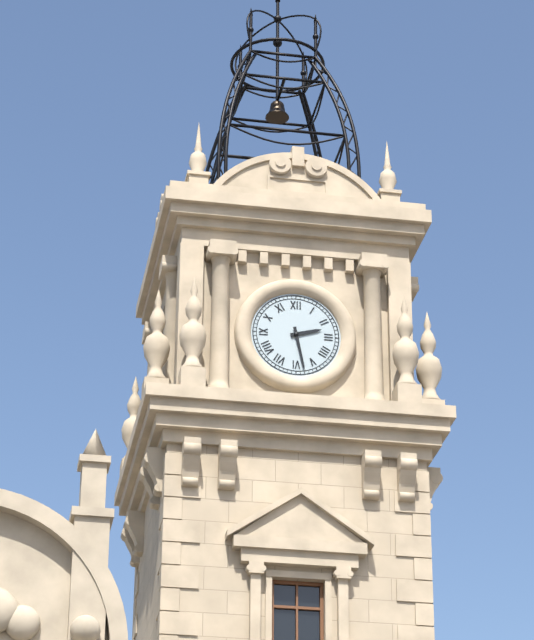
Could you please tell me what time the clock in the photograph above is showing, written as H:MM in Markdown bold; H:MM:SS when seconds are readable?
**2:28**
